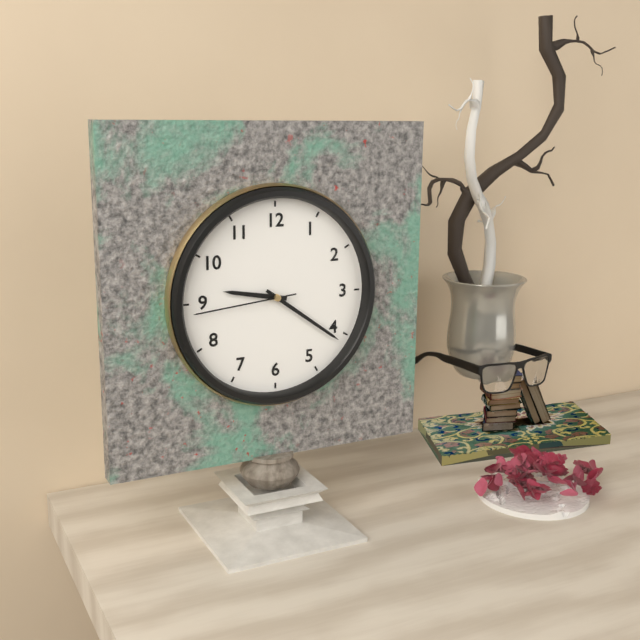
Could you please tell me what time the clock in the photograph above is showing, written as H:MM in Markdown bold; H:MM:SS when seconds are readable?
**9:21:44**
